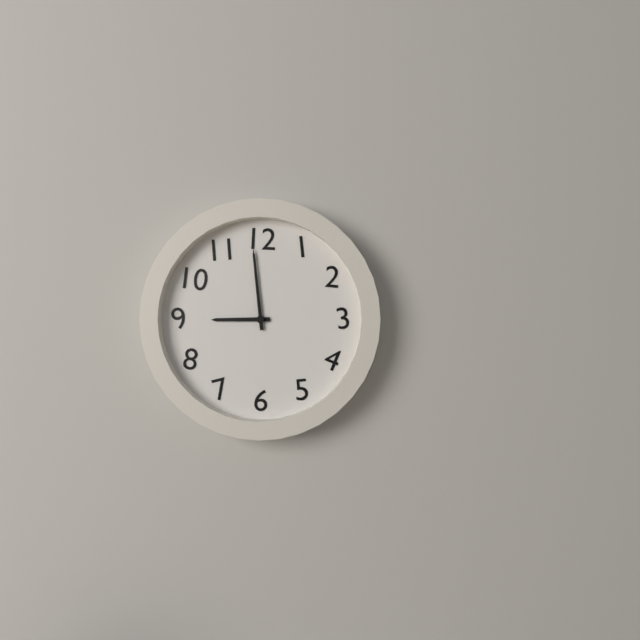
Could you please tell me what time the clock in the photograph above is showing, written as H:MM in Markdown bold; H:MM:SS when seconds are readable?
**8:59**
